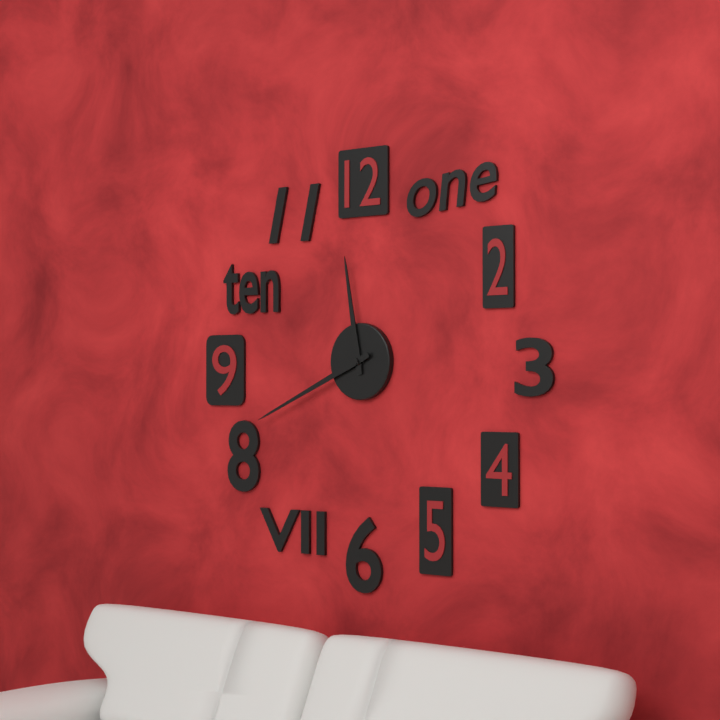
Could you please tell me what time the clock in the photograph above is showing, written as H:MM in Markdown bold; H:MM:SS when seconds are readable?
**11:41**
